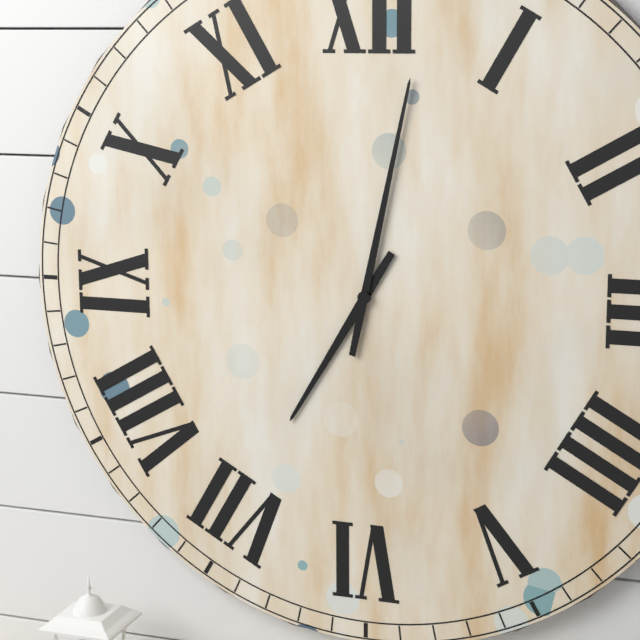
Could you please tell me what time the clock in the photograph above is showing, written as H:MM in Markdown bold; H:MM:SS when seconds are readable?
**7:02**
